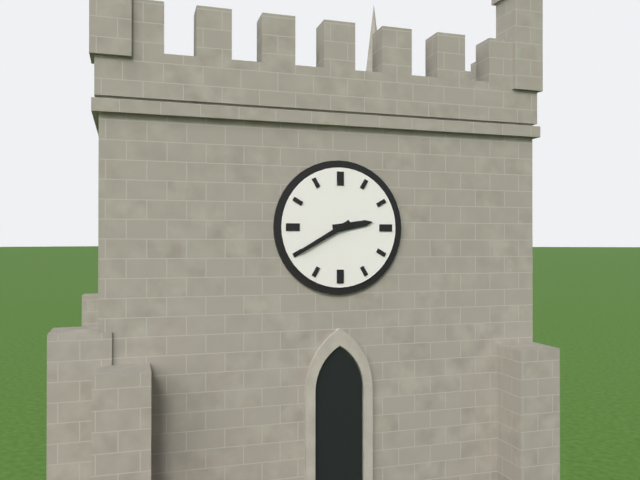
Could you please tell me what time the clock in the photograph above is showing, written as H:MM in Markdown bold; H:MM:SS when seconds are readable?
**2:40**
